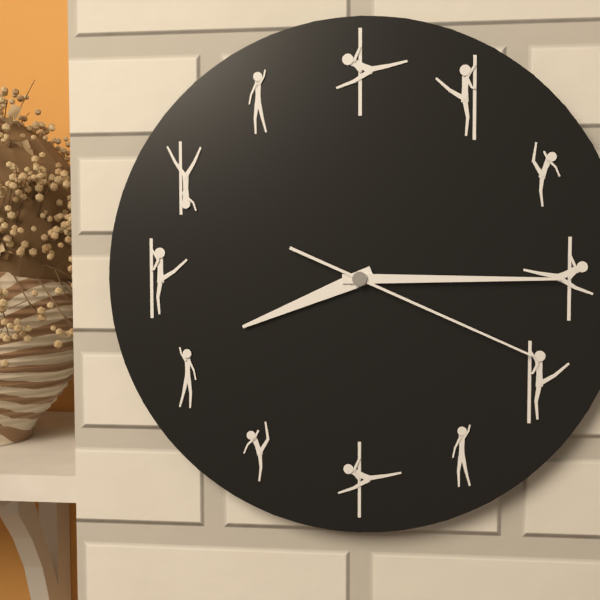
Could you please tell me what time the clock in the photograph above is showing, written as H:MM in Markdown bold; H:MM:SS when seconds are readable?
**8:15:19**
